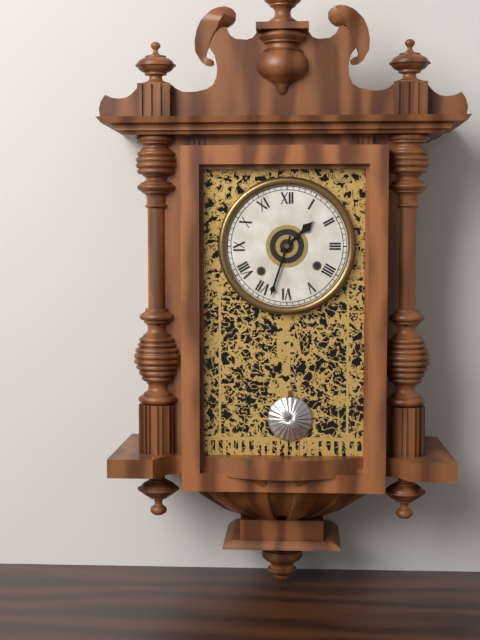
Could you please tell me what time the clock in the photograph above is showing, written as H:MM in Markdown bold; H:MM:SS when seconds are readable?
**1:33**
